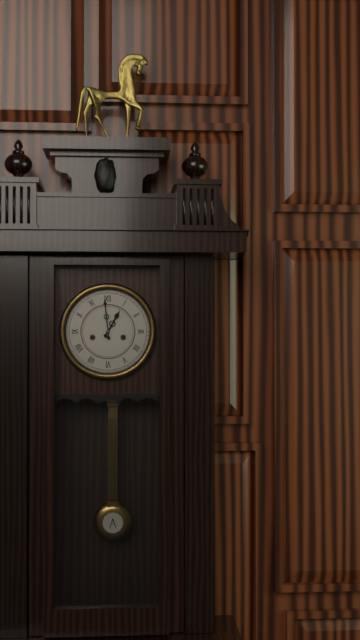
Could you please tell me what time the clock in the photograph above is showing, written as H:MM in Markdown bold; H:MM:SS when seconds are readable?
**12:59**
